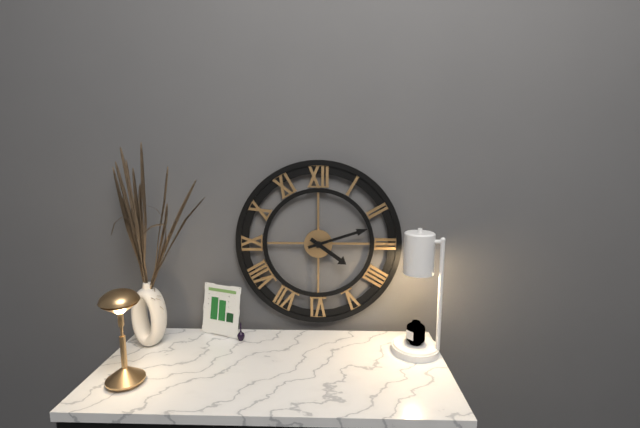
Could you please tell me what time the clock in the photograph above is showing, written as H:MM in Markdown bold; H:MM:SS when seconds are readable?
**4:12**
